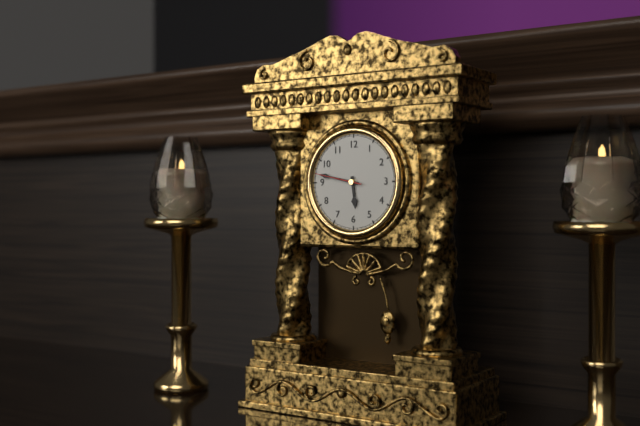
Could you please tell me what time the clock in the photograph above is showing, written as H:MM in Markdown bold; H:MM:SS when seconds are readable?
**5:47**
